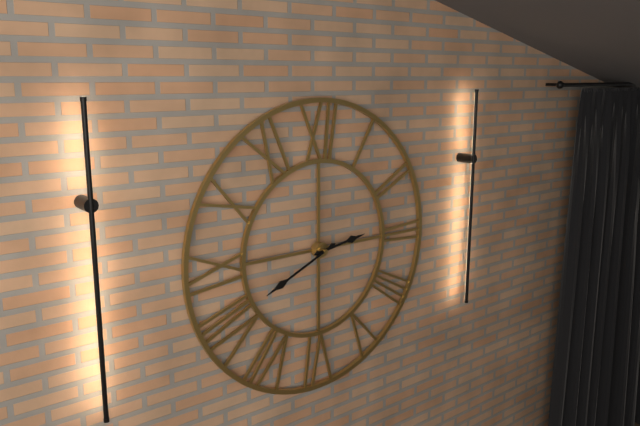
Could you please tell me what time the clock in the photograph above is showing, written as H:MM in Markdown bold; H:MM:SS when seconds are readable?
**2:41**
